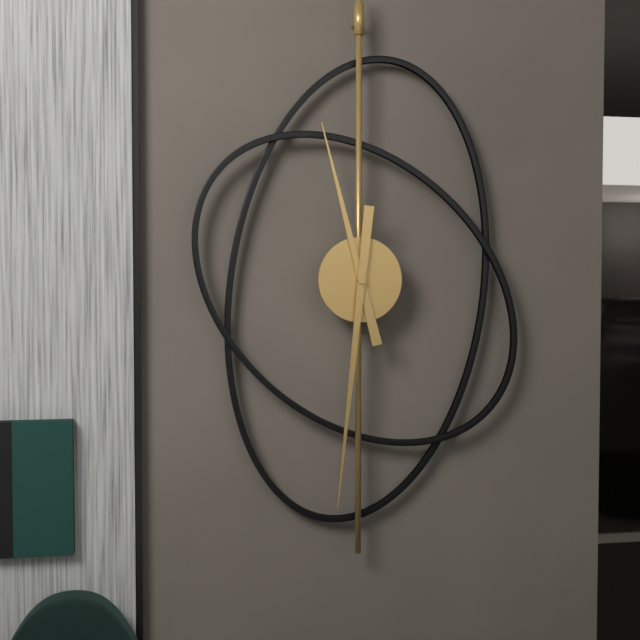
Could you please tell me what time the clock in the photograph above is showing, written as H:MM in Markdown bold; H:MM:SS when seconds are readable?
**11:31**
